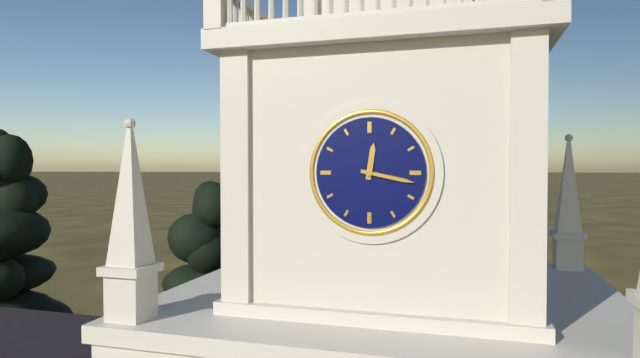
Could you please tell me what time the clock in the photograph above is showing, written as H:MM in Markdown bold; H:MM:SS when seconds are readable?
**12:17**
